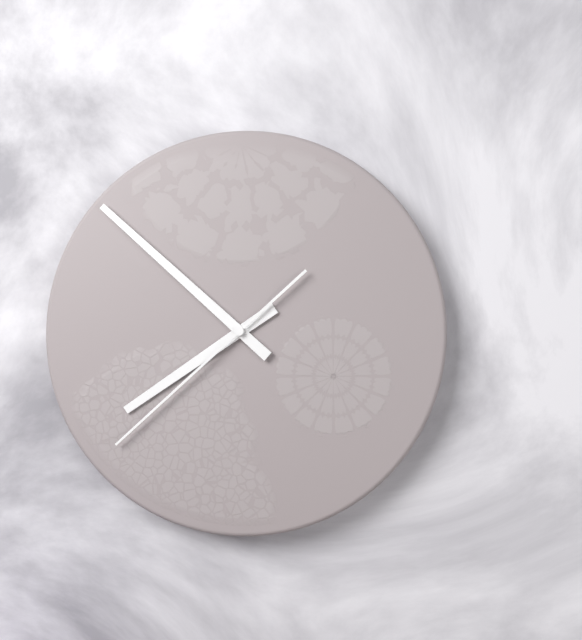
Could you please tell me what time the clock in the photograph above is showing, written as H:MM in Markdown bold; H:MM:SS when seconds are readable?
**7:52:38**
